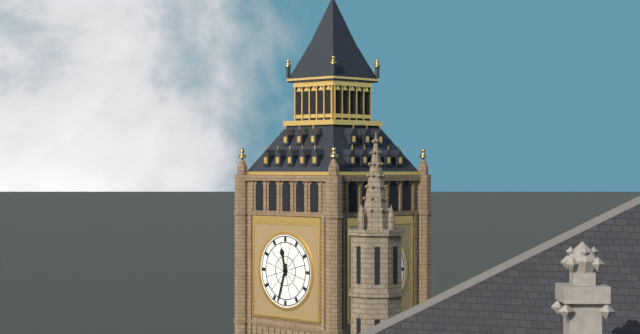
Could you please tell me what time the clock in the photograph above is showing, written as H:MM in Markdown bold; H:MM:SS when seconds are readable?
**11:33**
